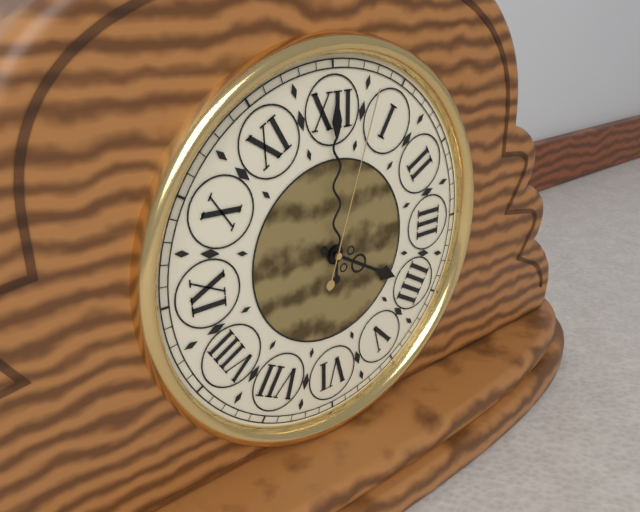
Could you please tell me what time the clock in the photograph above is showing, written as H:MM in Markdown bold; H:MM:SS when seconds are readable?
**4:00:03**
